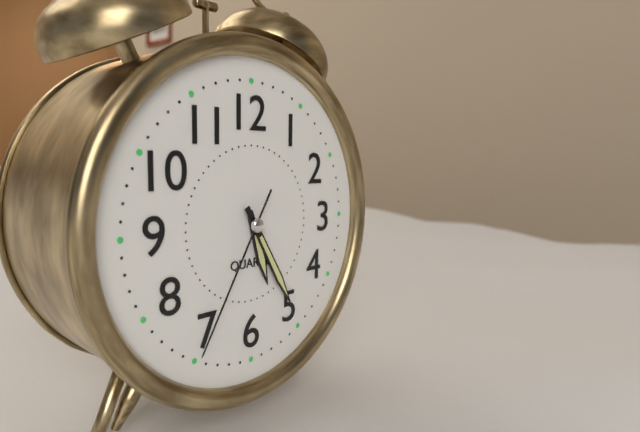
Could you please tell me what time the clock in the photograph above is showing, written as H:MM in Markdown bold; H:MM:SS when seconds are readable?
**5:25:35**
